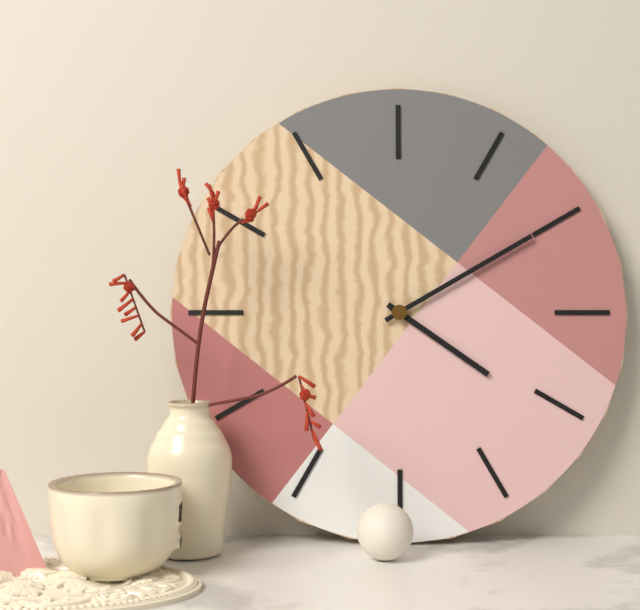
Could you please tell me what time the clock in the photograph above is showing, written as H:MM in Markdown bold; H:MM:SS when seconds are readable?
**4:10**
